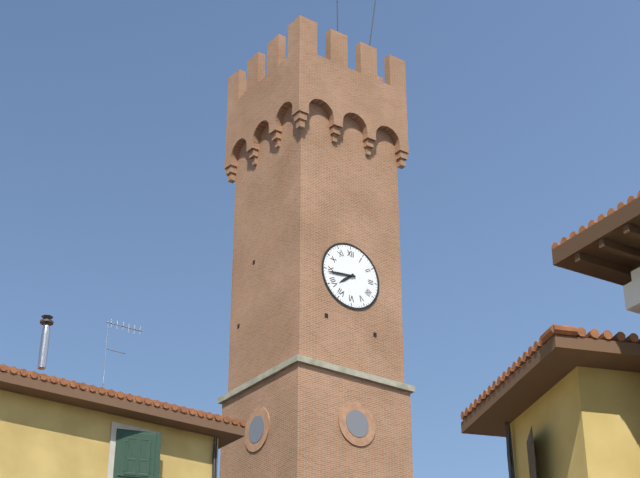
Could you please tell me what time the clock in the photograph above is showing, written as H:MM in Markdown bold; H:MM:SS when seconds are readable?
**7:44**
